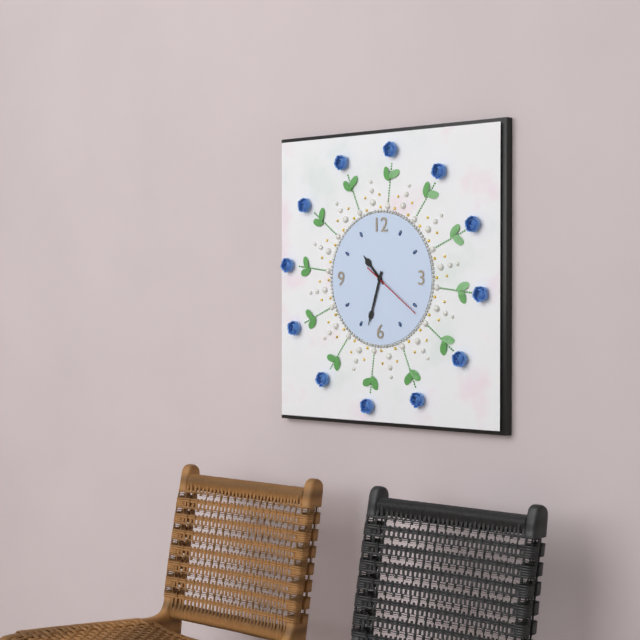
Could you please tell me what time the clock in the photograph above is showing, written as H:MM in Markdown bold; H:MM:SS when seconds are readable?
**10:33:21**
